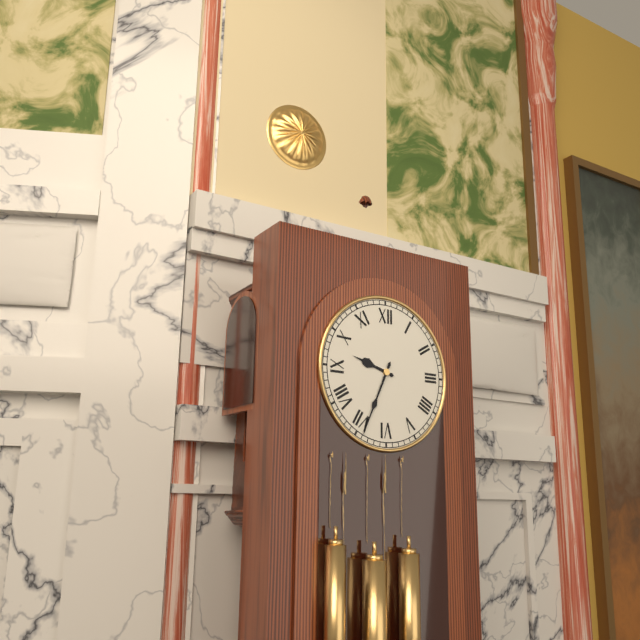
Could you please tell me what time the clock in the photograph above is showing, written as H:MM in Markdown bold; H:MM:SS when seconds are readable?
**9:34**
